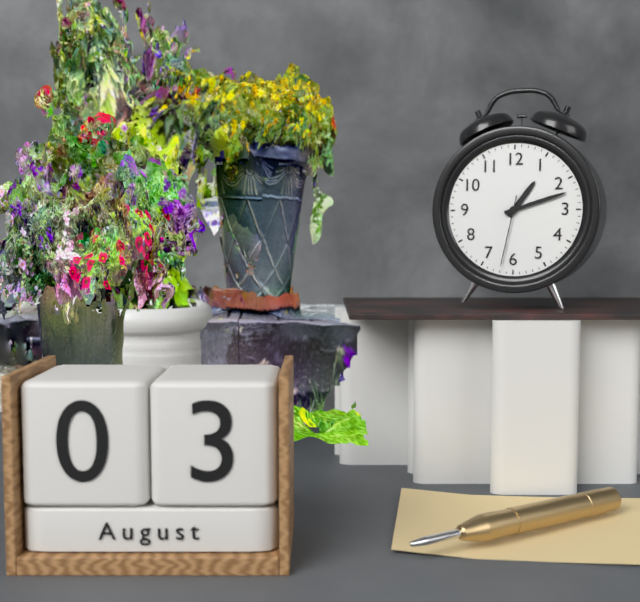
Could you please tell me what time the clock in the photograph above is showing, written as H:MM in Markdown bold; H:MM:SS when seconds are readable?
**1:12:32**
